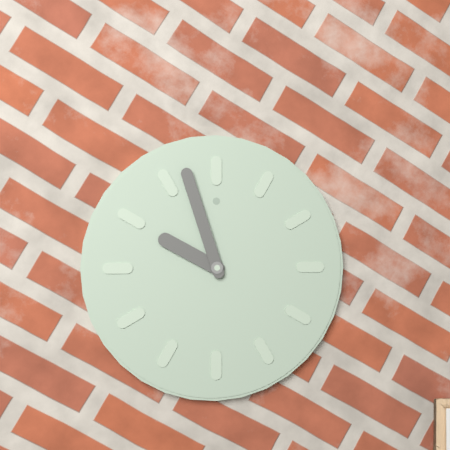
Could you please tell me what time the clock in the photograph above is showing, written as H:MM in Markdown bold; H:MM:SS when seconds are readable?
**9:57**
